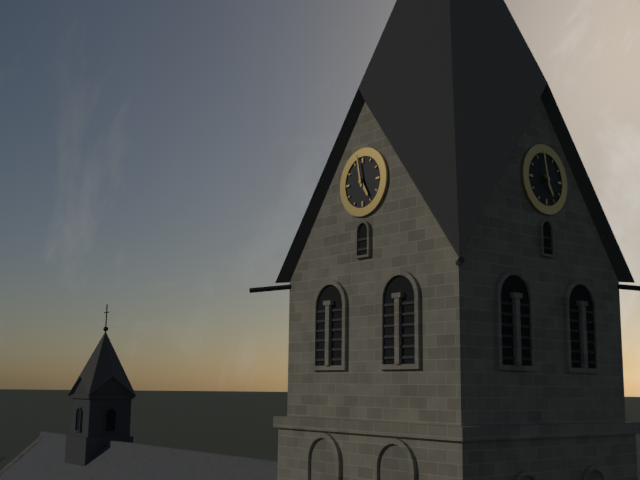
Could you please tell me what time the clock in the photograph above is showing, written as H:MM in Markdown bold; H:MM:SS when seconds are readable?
**4:58**
